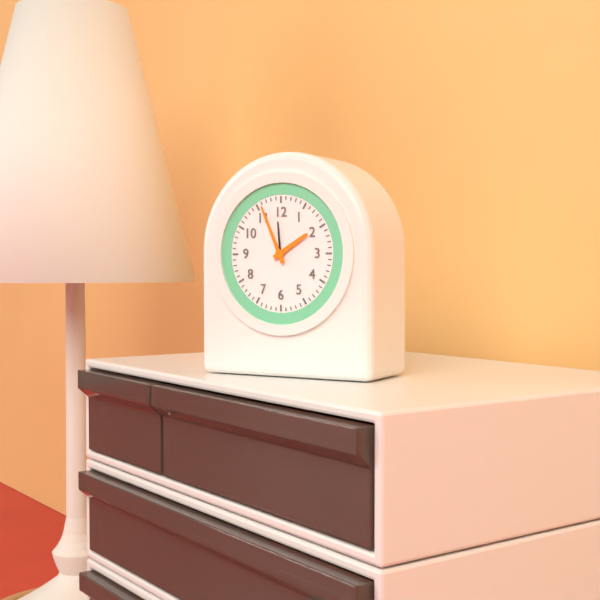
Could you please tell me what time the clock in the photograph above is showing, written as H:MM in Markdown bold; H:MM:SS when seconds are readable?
**1:56**
